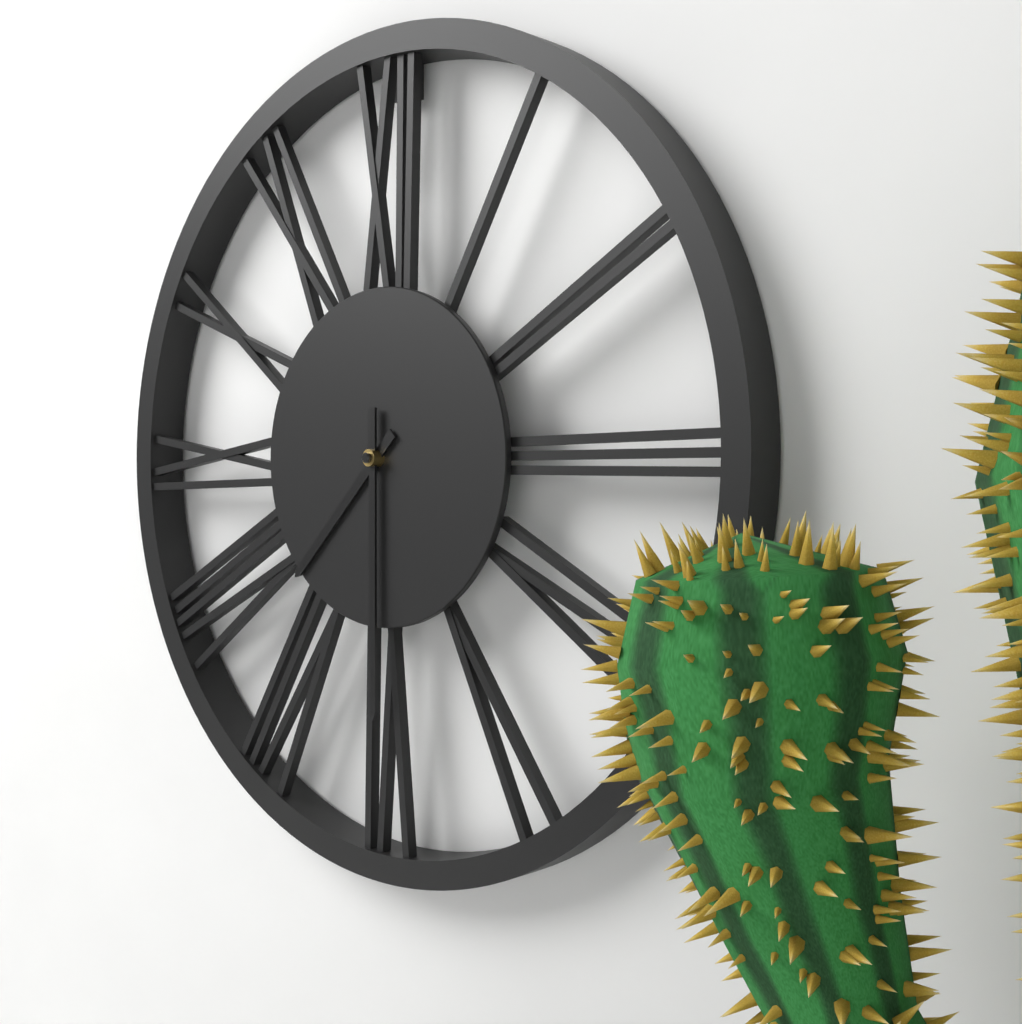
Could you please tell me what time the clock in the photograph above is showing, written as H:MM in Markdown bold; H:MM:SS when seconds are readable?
**7:30**
